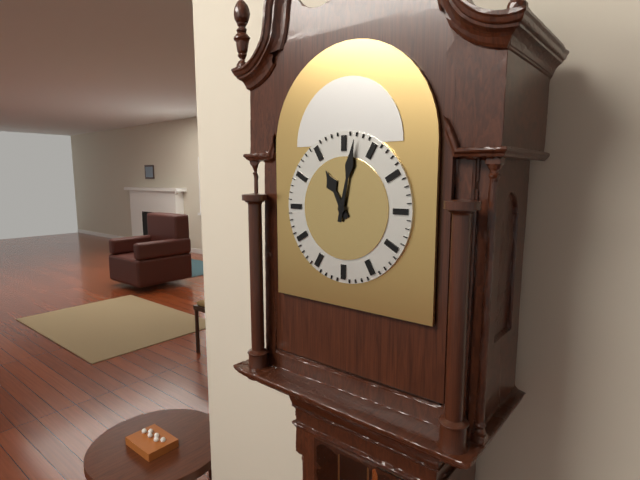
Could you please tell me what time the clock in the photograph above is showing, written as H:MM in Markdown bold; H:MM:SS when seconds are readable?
**11:02**
